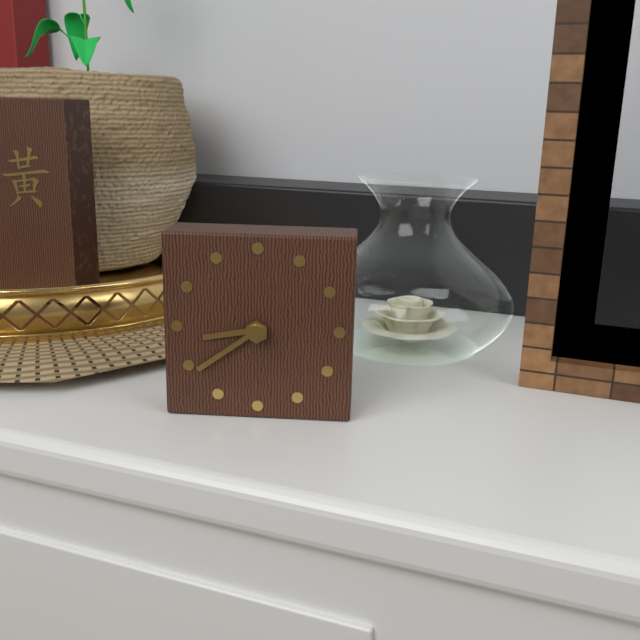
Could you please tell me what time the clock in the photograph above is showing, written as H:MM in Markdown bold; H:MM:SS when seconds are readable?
**8:39**
